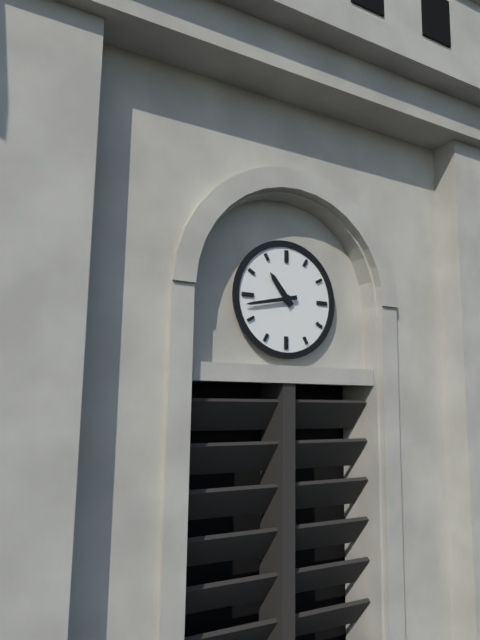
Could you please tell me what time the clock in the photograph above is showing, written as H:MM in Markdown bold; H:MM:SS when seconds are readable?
**10:43**
